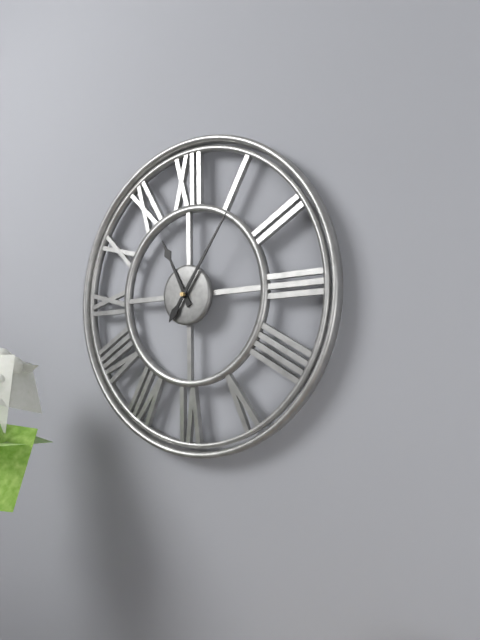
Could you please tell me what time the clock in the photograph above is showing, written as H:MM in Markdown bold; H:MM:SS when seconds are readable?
**11:06**
